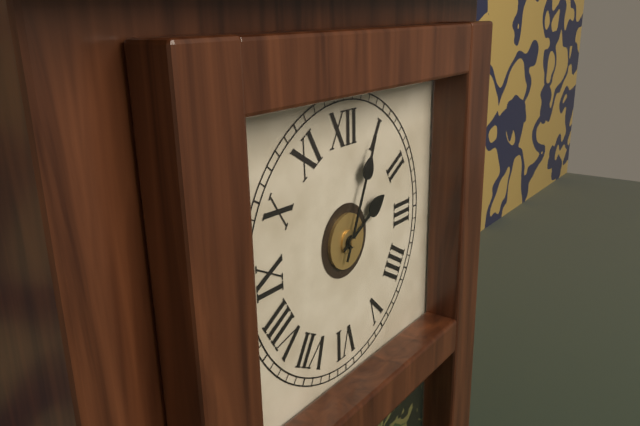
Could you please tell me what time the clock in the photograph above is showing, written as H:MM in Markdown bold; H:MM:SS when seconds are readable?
**2:04**
